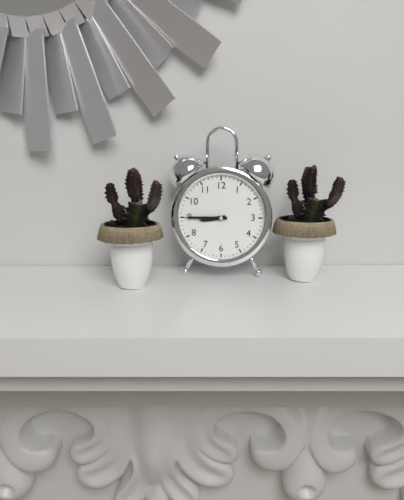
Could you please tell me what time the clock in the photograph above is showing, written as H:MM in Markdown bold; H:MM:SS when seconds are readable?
**8:45**
